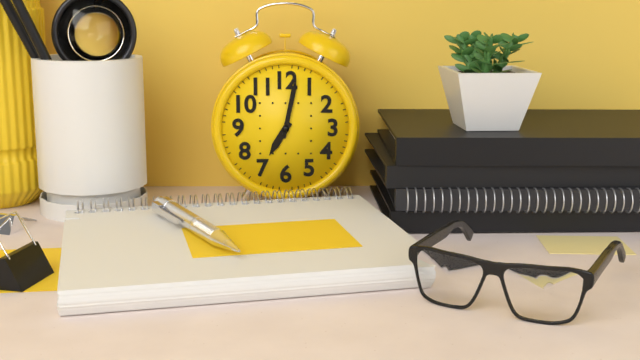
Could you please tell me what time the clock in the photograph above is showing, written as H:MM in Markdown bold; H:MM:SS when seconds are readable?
**7:02**
